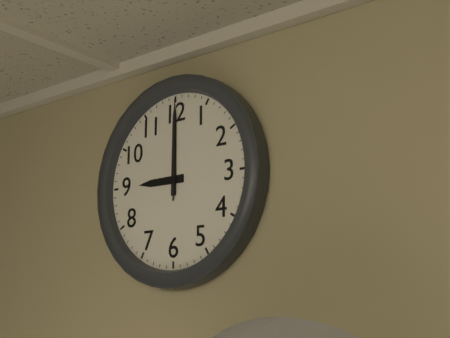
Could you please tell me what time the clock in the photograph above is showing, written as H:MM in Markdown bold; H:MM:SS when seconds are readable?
**9:00:00**
